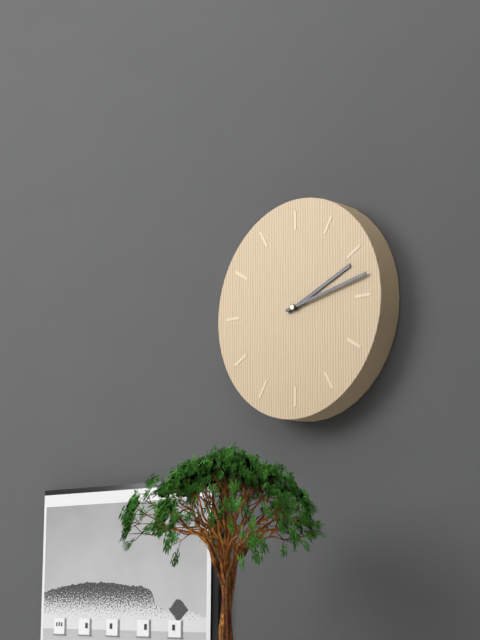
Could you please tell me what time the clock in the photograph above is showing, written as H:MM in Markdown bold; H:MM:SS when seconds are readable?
**2:13**
